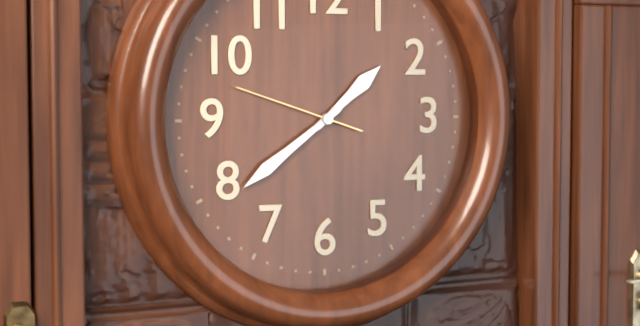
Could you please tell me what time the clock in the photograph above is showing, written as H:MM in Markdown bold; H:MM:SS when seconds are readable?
**1:39:48**
